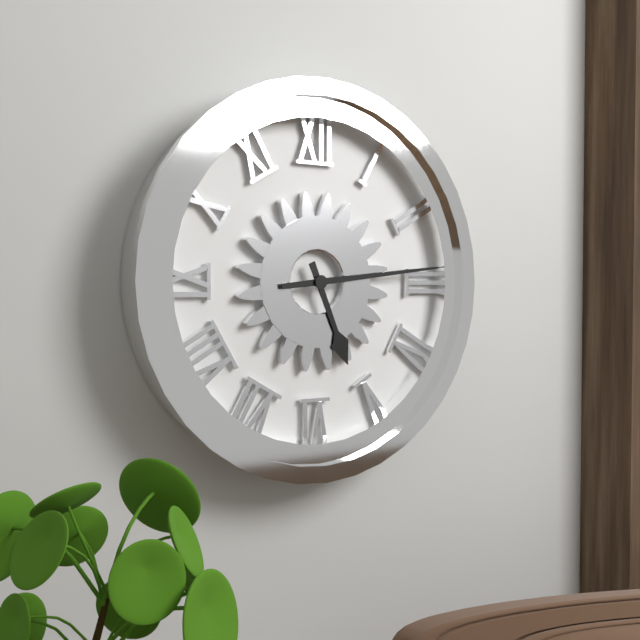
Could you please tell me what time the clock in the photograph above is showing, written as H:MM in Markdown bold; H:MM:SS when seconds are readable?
**5:14**
